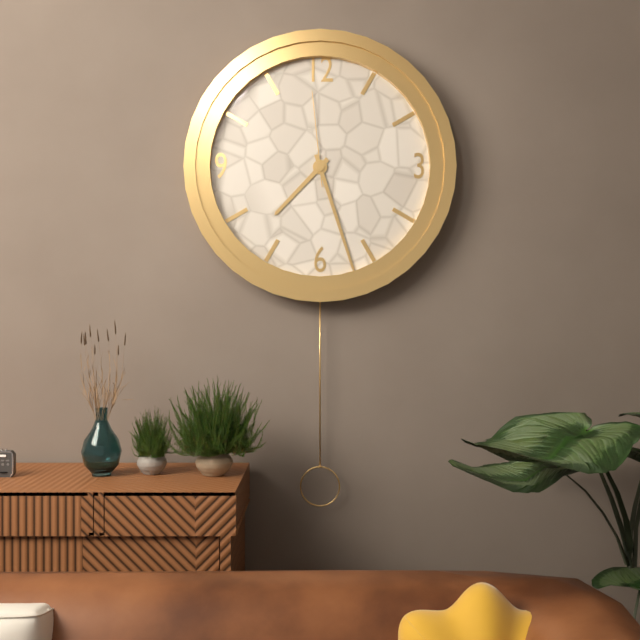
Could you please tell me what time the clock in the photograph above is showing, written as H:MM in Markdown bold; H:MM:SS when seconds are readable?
**7:27:59**
